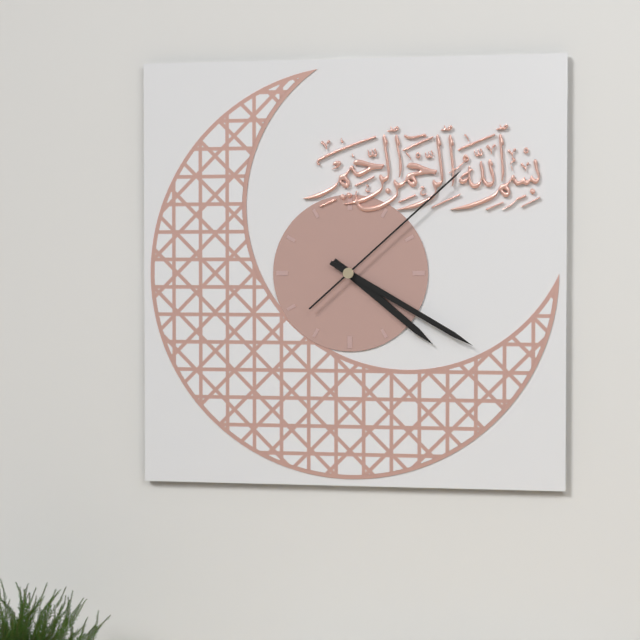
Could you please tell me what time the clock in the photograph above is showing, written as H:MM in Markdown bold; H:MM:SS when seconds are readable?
**4:20:08**
